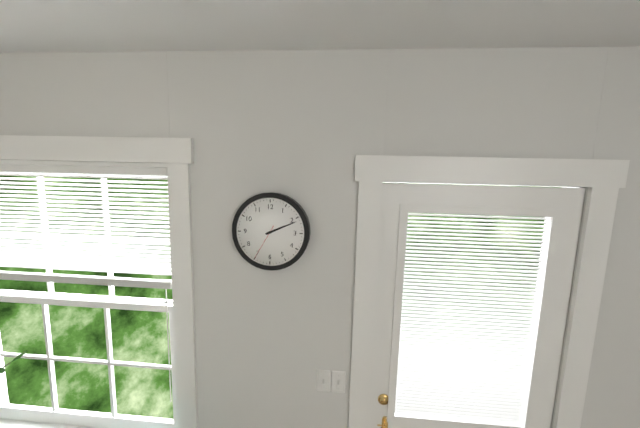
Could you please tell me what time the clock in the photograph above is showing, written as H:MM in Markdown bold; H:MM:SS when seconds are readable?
**2:11**
